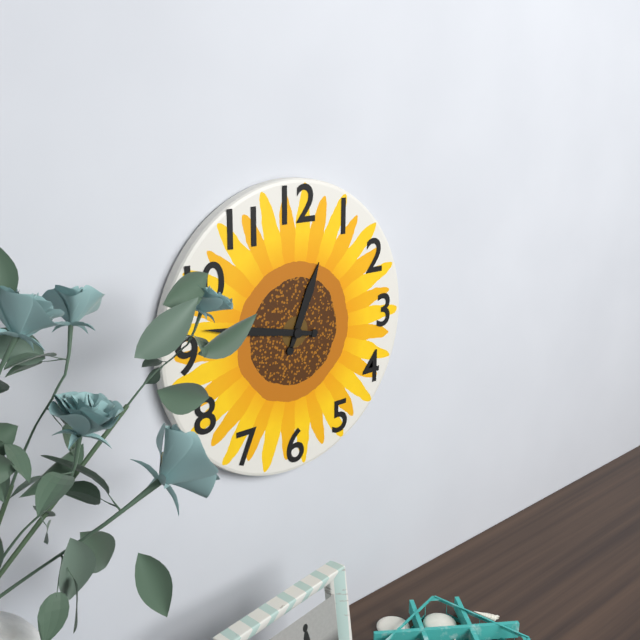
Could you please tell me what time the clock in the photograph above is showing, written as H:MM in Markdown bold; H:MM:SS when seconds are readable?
**12:47**
